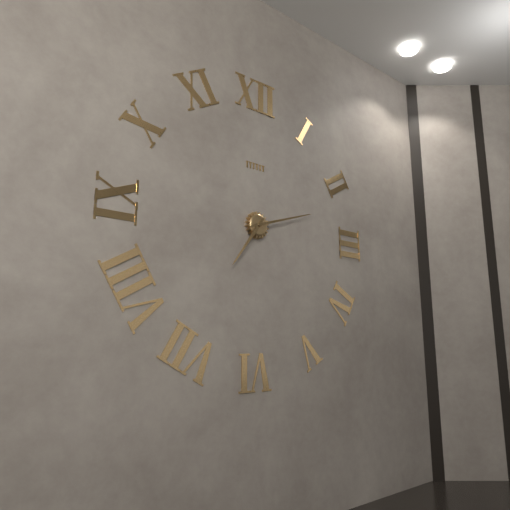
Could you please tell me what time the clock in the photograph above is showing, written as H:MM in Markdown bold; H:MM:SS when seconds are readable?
**7:12**
